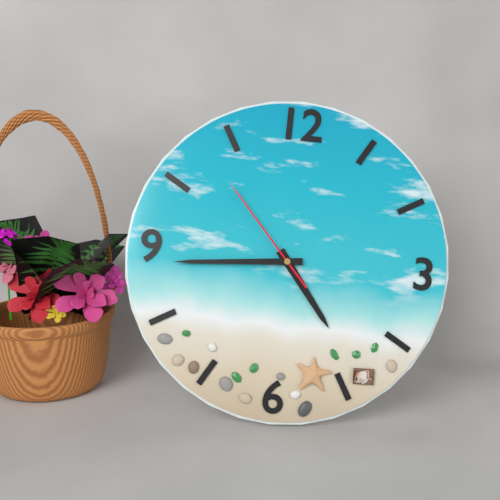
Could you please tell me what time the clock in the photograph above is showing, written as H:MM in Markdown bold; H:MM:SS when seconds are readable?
**4:44:53**
